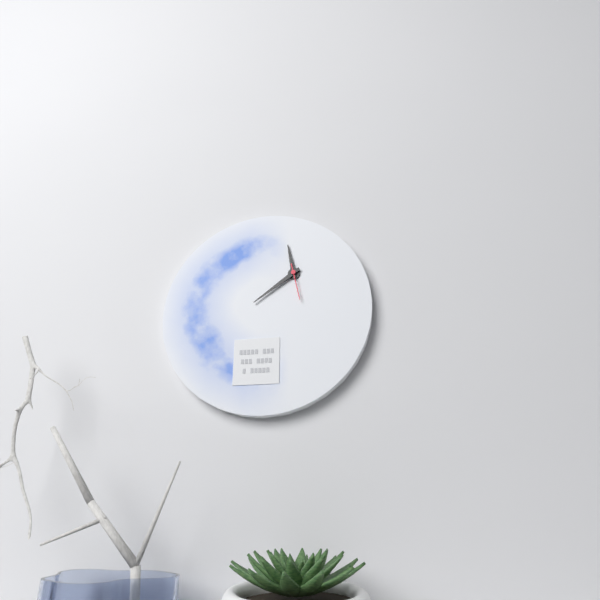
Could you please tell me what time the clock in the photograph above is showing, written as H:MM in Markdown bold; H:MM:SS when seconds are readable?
**11:39**
